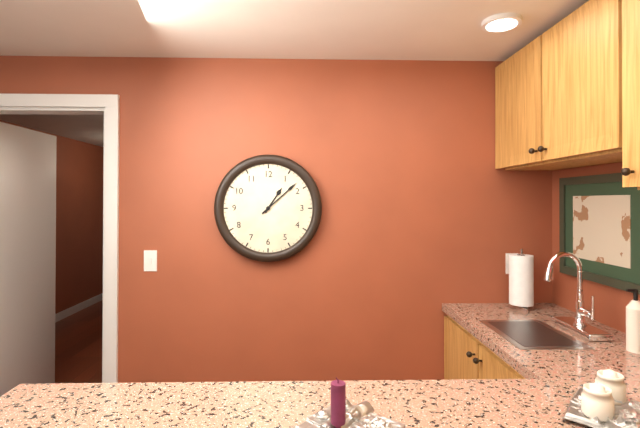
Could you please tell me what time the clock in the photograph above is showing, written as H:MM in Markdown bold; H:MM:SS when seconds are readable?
**1:08**
